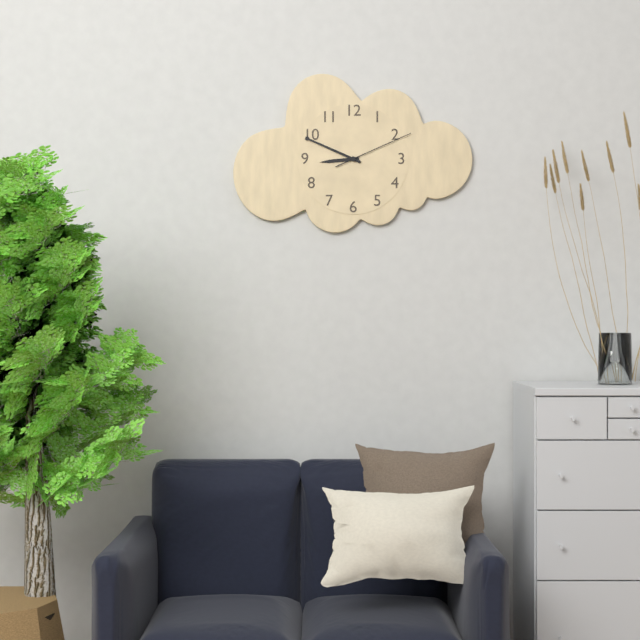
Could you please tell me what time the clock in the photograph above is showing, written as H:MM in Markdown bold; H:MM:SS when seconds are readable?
**8:49:11**
